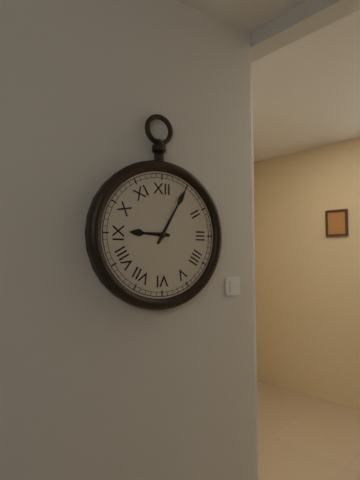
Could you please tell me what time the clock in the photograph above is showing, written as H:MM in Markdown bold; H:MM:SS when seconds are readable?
**9:05**
